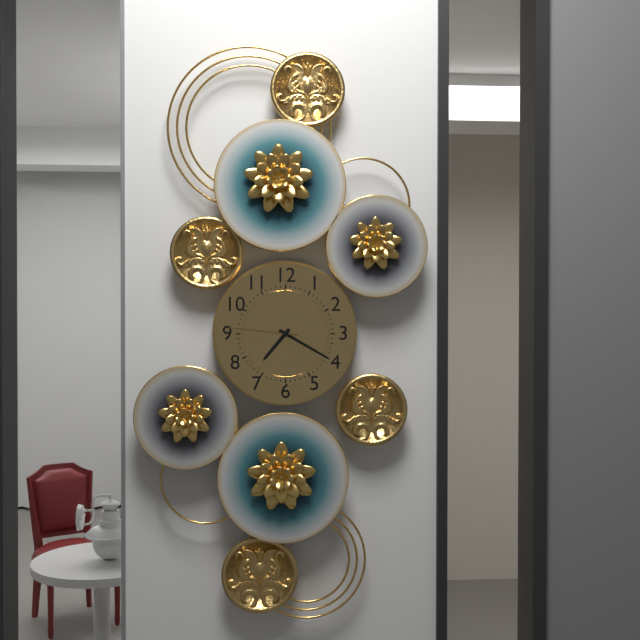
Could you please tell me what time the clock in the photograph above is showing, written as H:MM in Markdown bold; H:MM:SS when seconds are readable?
**7:20:46**
